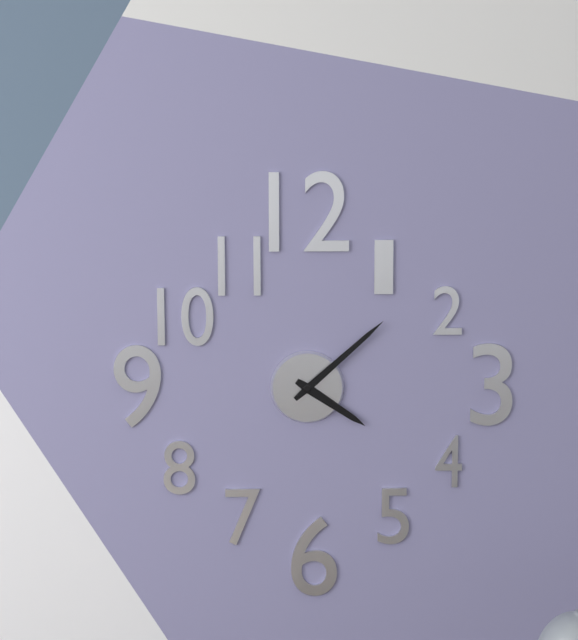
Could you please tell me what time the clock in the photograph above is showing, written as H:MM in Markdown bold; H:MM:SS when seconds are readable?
**4:08**
